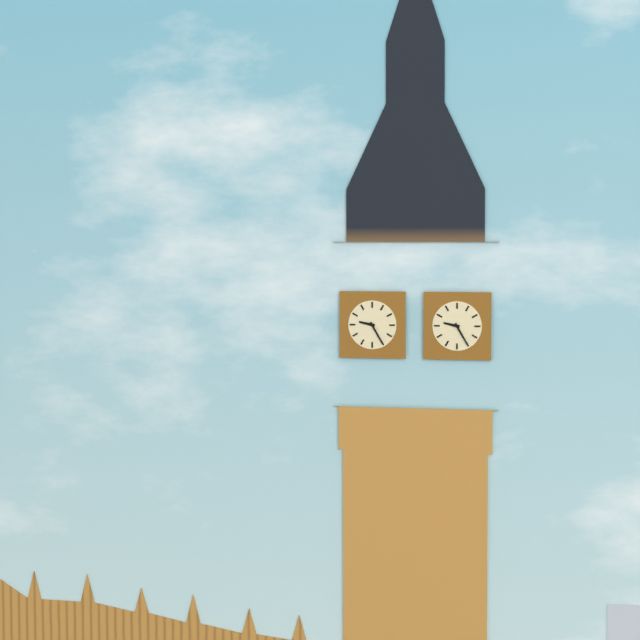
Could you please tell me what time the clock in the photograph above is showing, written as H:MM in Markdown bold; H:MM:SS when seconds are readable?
**9:25**
